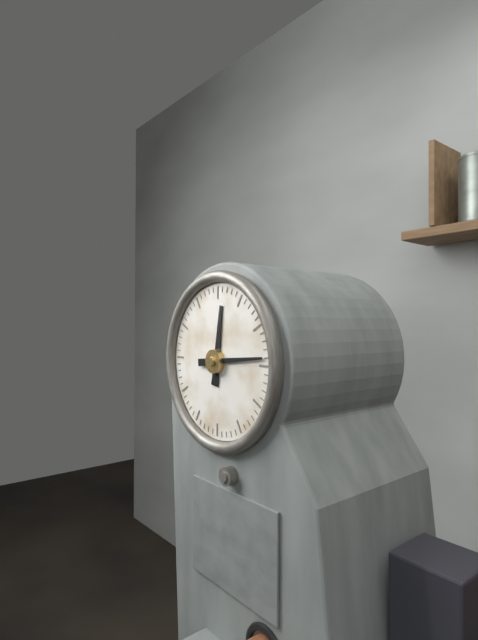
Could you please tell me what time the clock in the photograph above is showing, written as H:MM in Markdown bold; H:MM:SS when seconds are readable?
**12:14**
